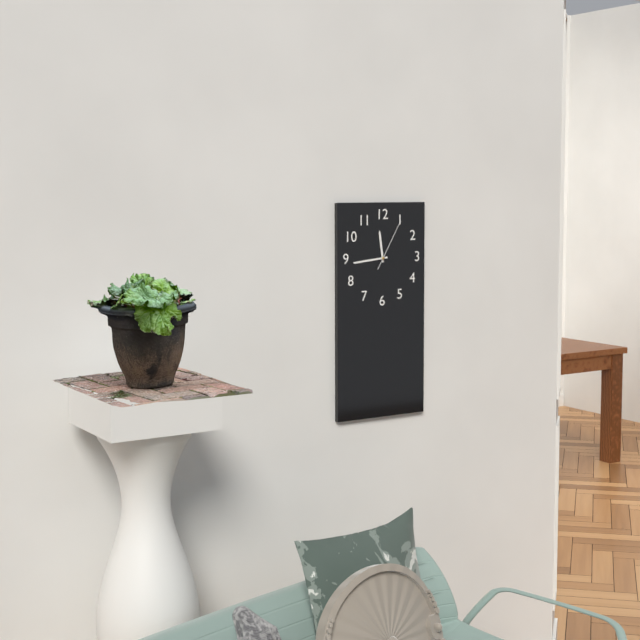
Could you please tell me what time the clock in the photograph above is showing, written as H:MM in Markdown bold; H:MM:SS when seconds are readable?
**11:44**
